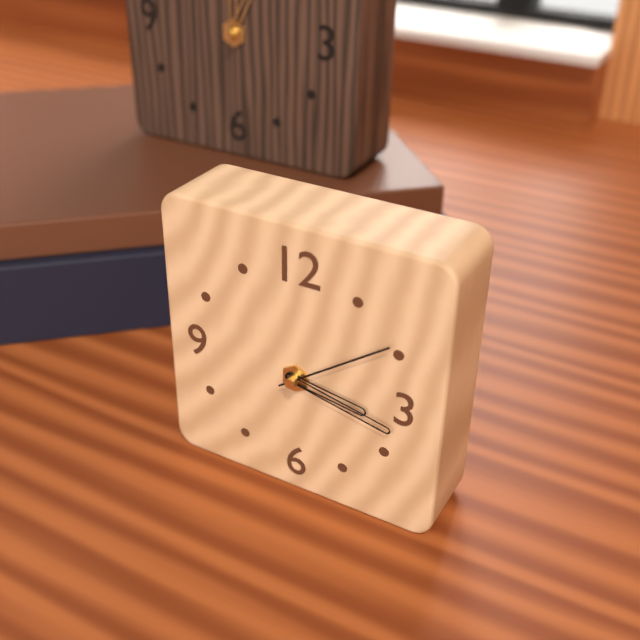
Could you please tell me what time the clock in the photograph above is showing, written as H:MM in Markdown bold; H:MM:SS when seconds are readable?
**3:17:09**
